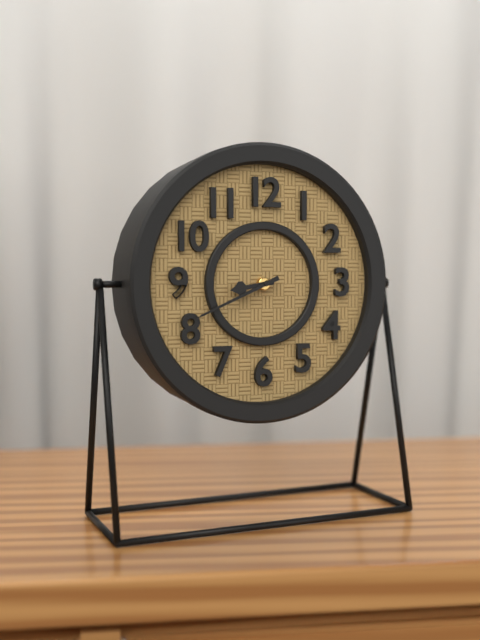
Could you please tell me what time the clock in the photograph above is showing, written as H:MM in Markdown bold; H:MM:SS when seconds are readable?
**8:41**
